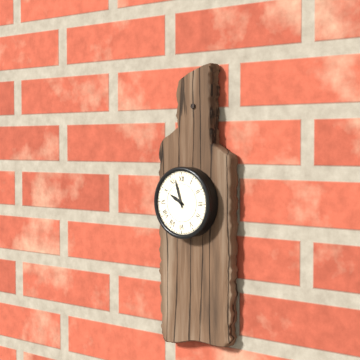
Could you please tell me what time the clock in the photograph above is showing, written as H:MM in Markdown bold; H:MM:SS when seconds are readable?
**9:57**
